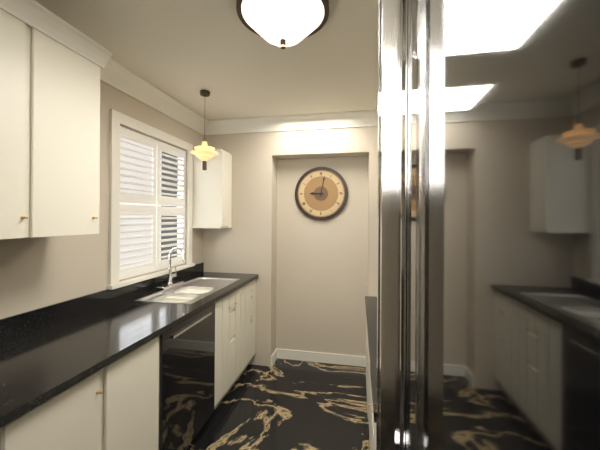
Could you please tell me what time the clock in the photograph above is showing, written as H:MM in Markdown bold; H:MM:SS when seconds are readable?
**9:02**
